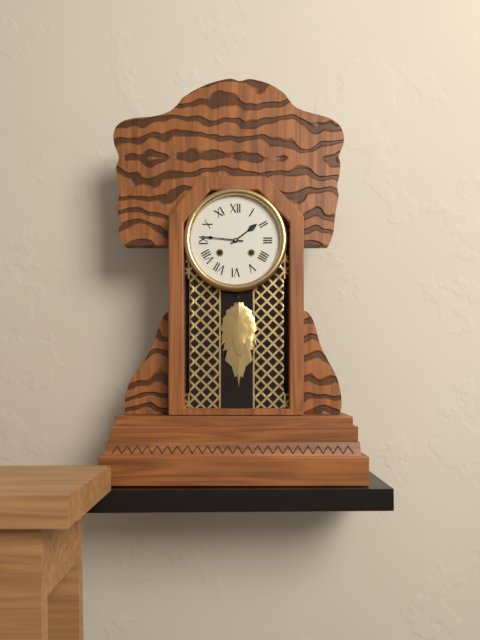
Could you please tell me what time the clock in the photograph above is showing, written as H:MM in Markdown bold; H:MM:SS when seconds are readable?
**1:46**
